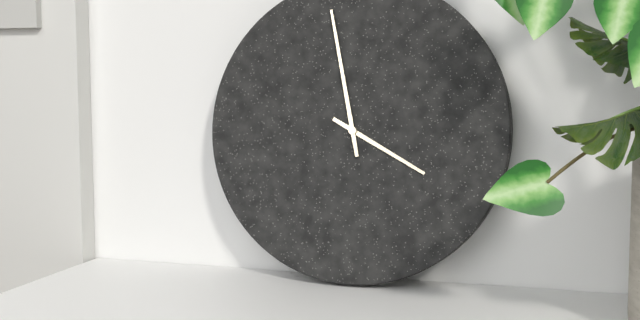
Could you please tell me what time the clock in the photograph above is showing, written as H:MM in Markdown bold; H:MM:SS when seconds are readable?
**3:58**
